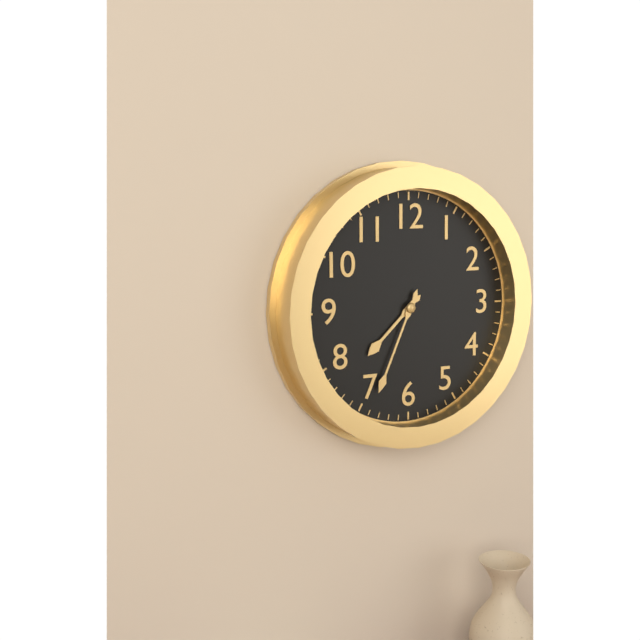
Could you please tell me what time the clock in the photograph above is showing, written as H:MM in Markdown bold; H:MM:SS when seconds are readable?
**7:34**
